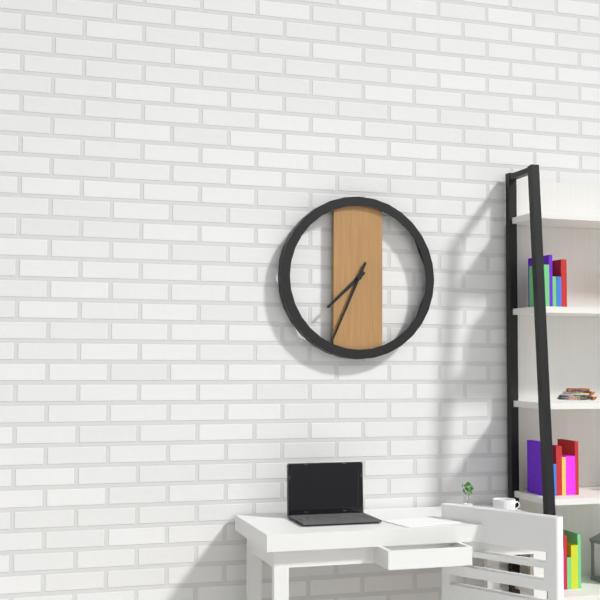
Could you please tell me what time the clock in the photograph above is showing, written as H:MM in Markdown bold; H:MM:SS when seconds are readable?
**7:34**
